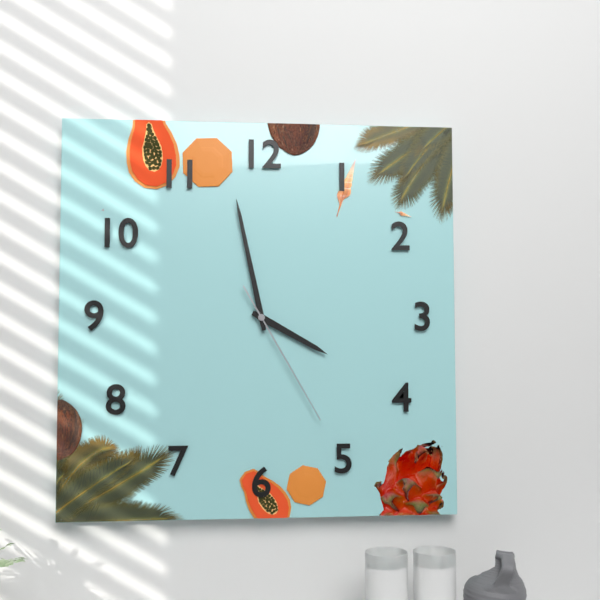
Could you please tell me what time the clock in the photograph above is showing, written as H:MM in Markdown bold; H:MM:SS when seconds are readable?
**3:58:25**
